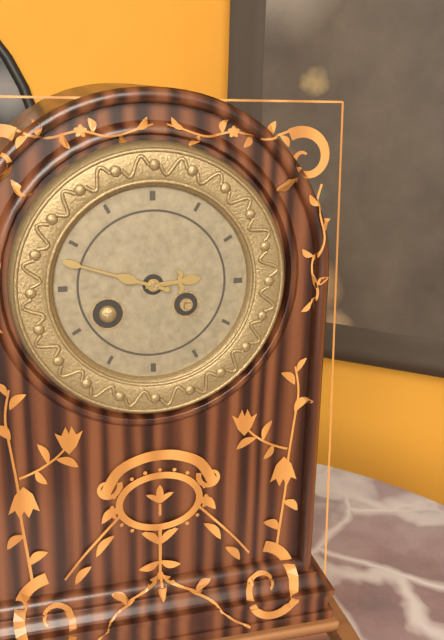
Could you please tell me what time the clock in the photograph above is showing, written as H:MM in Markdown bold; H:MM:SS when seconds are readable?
**2:48**
